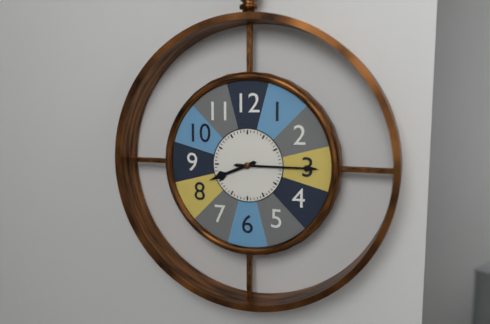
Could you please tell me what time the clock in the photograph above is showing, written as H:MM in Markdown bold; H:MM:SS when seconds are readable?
**8:15**
